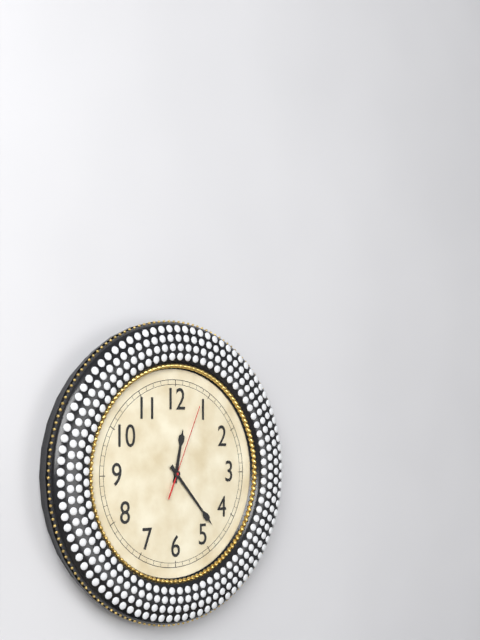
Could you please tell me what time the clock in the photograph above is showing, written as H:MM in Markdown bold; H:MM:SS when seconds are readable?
**12:23:04**
